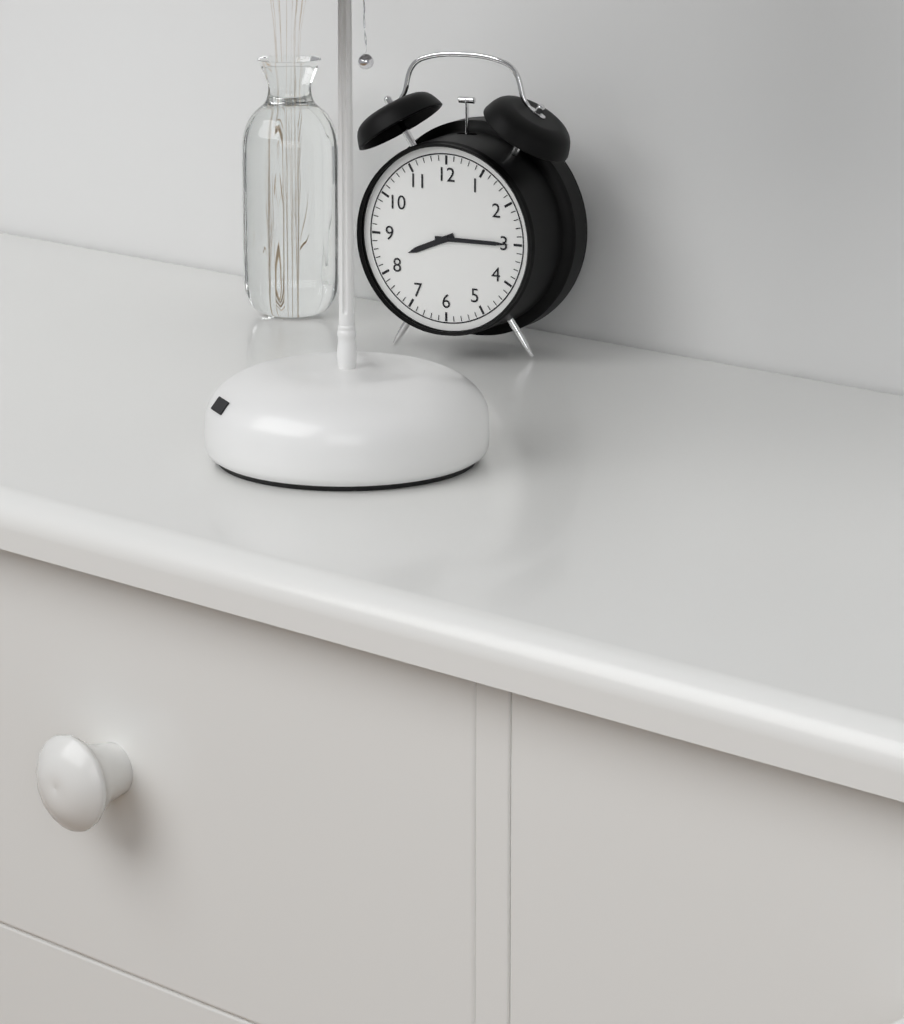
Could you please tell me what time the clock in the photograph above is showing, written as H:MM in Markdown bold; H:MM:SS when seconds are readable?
**8:15**
